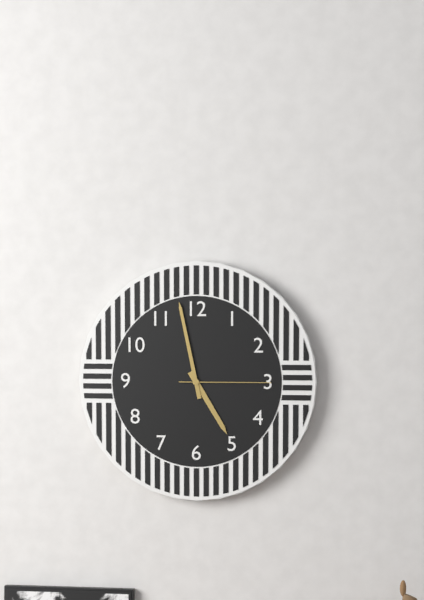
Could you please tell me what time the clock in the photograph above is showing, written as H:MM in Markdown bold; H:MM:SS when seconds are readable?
**4:58:15**
